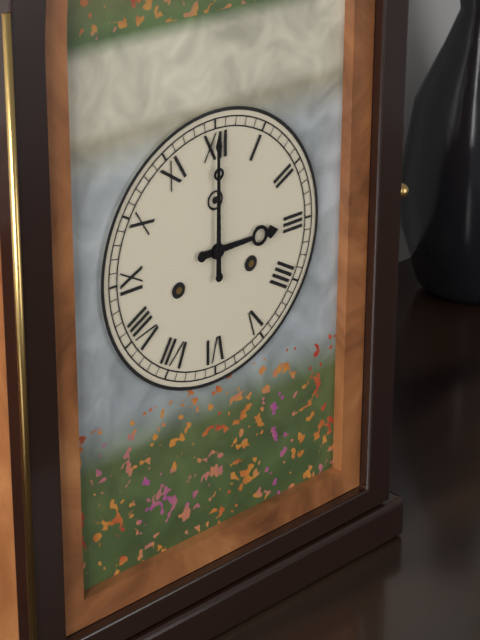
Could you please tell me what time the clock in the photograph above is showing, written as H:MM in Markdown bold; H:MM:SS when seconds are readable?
**3:00**
